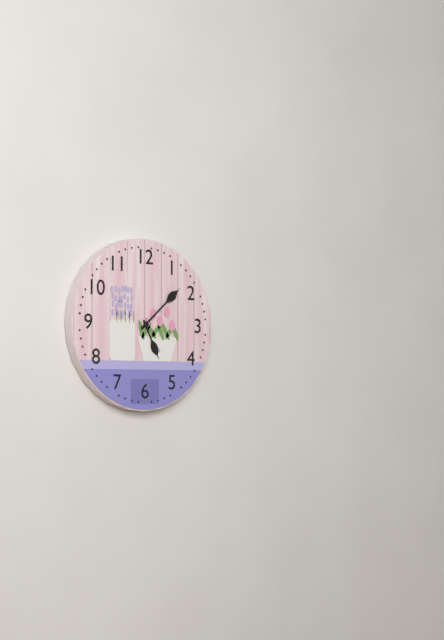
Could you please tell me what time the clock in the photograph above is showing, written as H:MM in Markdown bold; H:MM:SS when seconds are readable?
**5:08**
